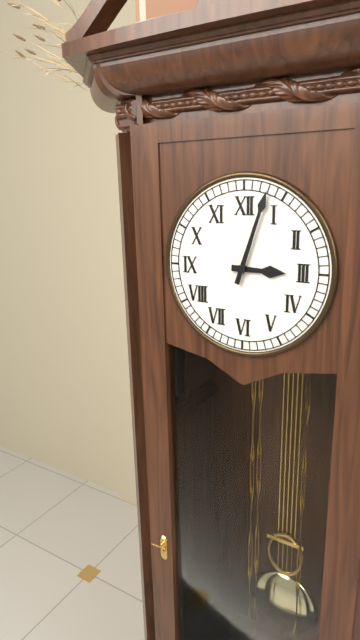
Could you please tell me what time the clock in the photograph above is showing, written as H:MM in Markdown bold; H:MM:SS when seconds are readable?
**3:03**
